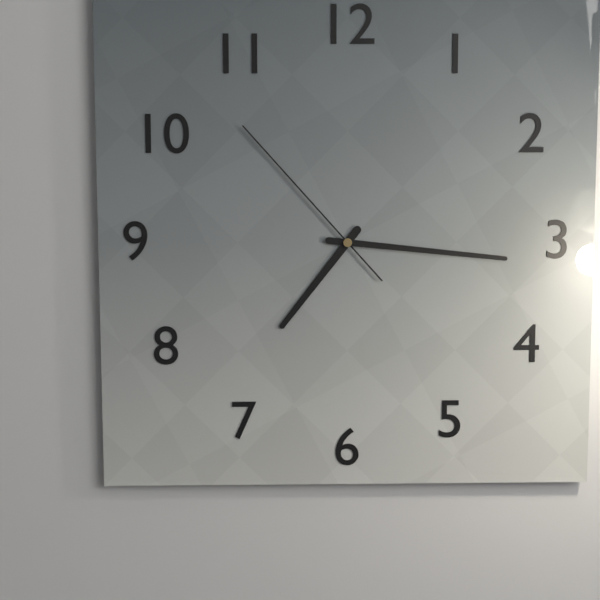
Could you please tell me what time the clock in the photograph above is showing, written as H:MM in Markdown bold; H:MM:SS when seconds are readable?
**7:16:53**
